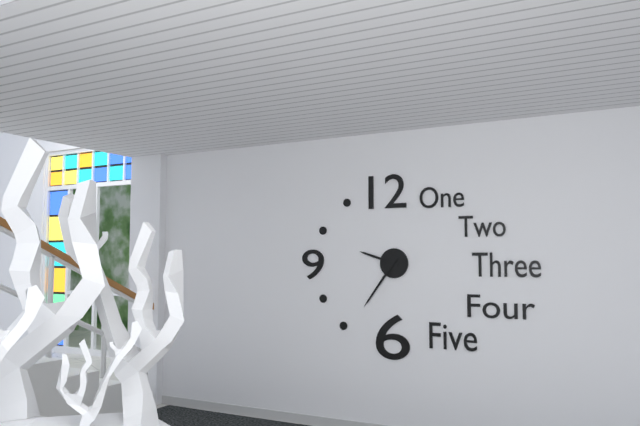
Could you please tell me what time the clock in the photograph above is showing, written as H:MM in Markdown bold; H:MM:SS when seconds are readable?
**9:36**
